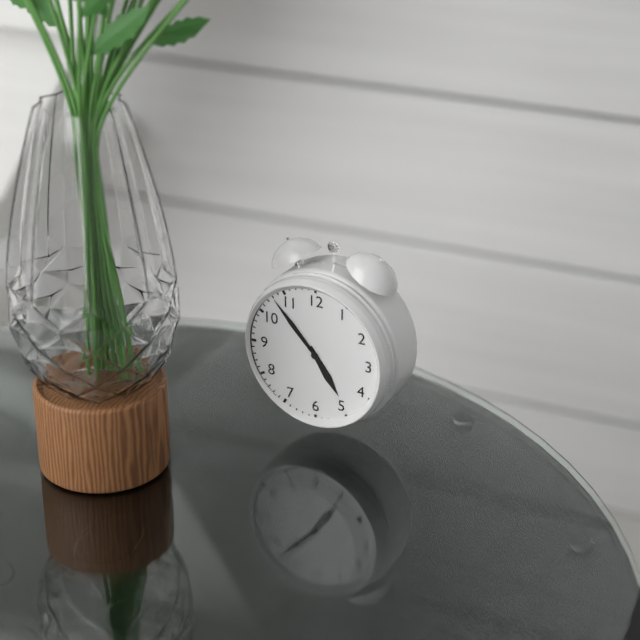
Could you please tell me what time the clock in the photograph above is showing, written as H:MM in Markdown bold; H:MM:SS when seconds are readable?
**4:53**
